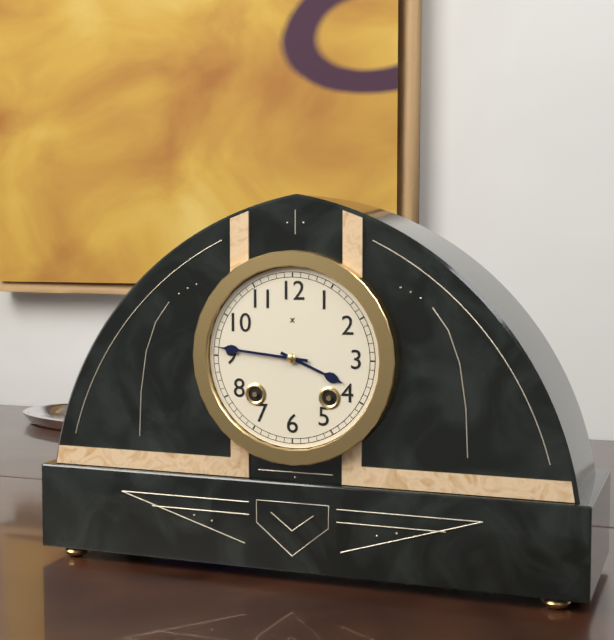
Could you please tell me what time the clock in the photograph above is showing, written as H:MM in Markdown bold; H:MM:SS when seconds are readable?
**3:46**
